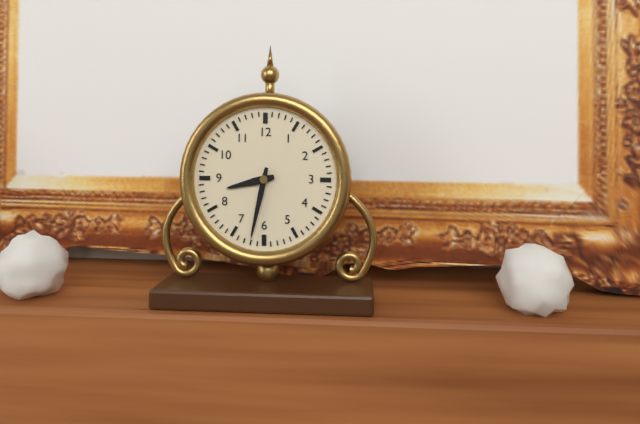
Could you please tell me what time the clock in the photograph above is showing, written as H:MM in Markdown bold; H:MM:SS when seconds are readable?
**8:32**
